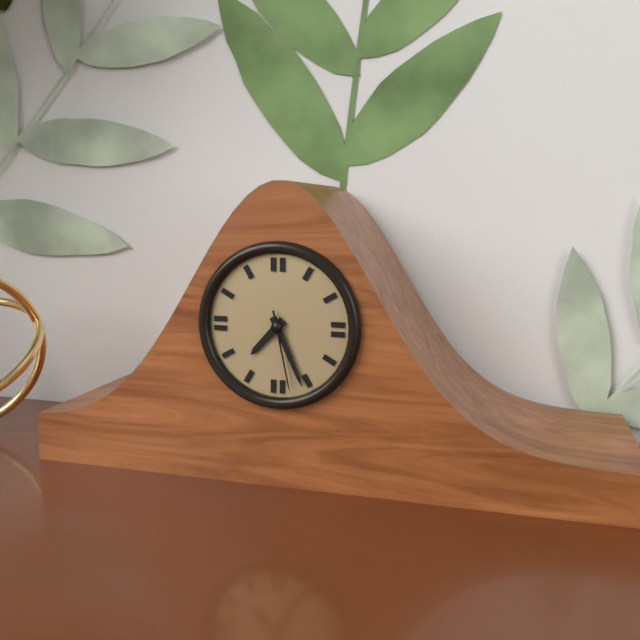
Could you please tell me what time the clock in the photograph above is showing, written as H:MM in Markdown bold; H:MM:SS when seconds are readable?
**7:26:28**
